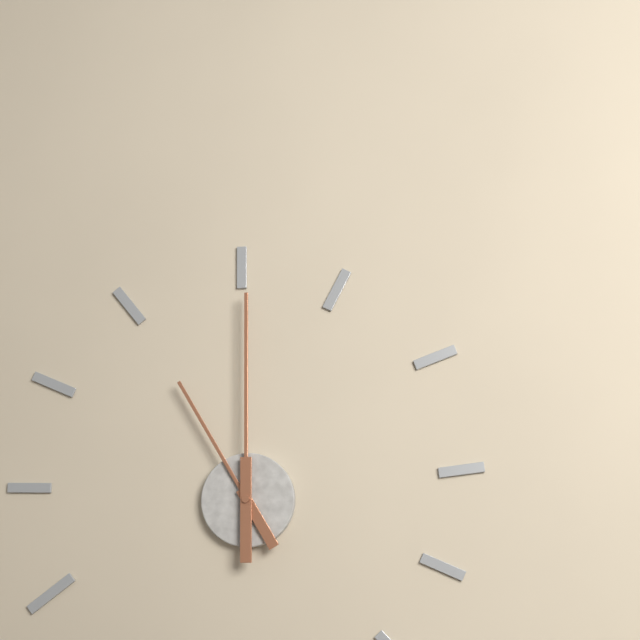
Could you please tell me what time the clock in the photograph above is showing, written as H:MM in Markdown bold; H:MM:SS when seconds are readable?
**11:00**
